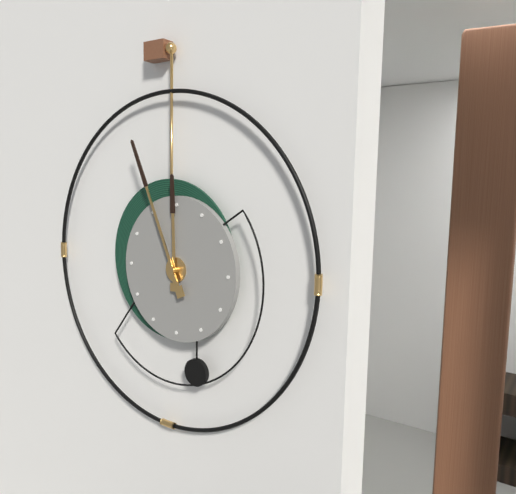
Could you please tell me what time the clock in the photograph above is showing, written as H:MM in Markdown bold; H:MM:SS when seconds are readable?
**11:56**
